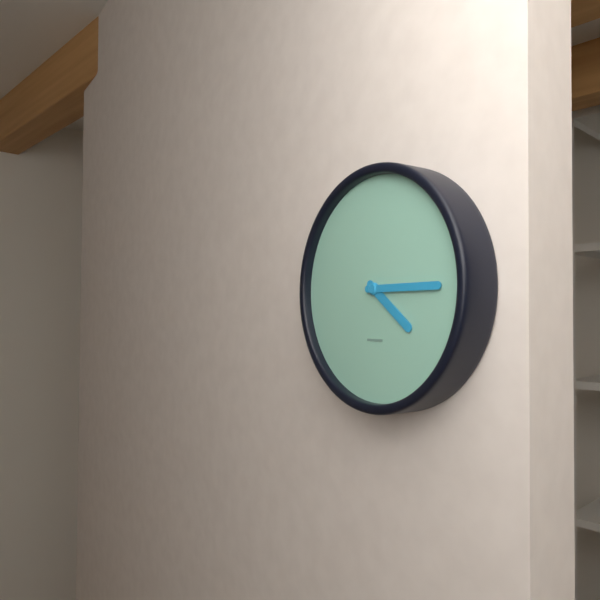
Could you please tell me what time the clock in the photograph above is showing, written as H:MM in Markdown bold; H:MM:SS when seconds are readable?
**4:15**
